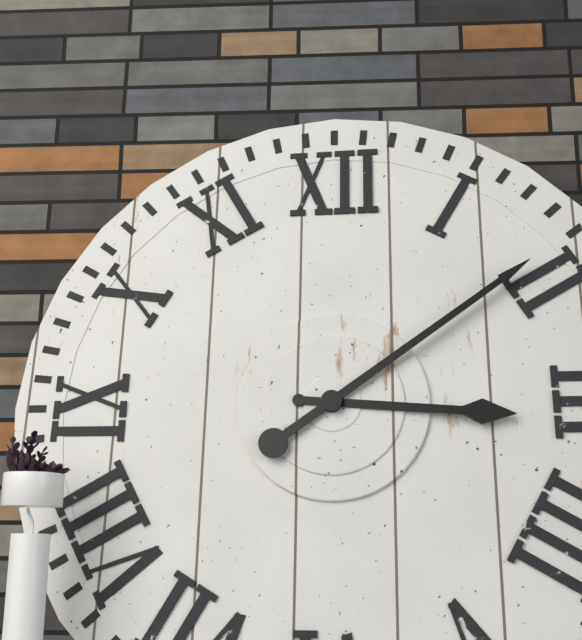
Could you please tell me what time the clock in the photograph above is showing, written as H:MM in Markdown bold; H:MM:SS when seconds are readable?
**3:09**
